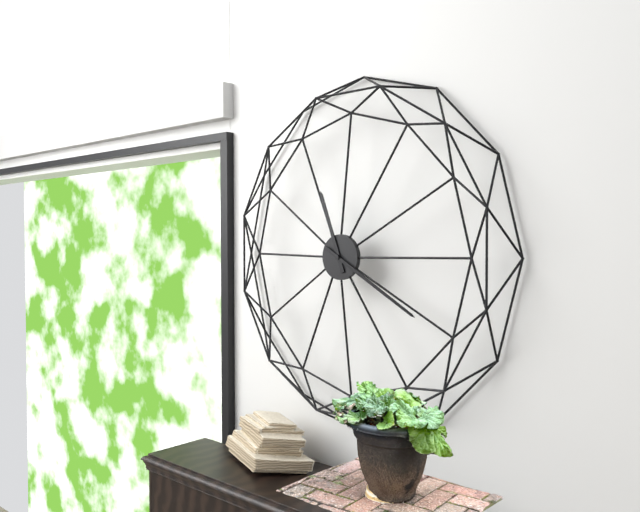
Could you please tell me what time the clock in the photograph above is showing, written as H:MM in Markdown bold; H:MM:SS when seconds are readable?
**11:20**
